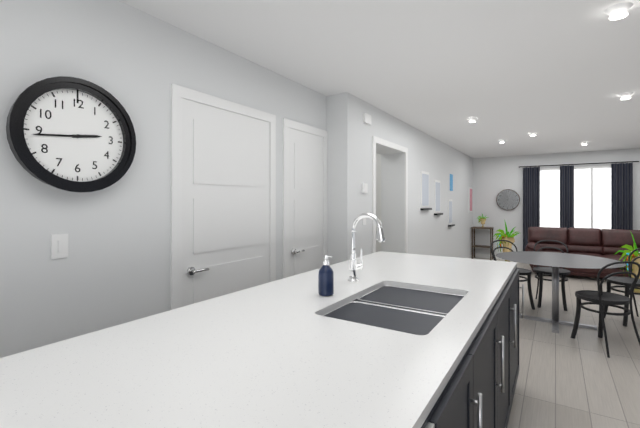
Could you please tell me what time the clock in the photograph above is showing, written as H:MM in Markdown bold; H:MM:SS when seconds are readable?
**2:44**
